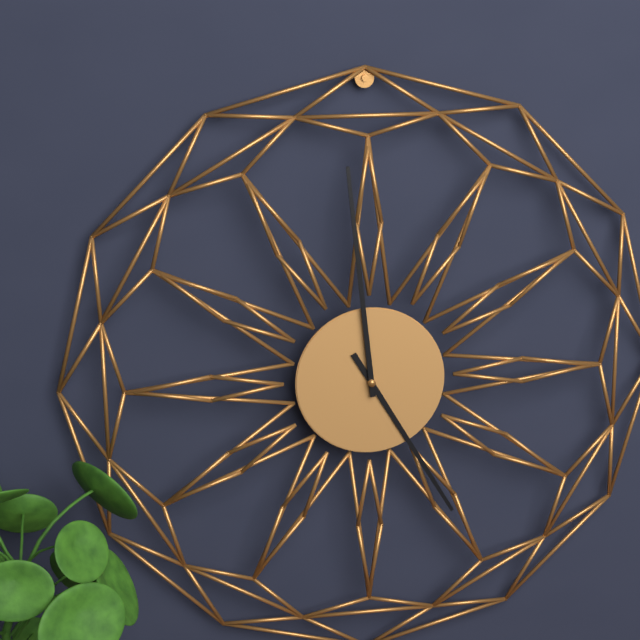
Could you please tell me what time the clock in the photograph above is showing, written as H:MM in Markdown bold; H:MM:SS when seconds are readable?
**4:59**
